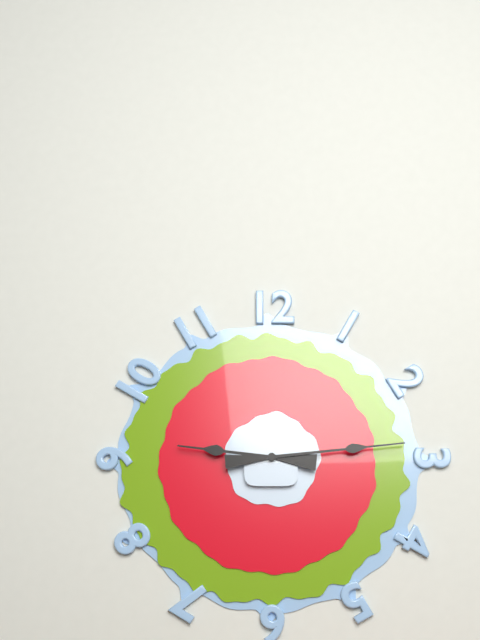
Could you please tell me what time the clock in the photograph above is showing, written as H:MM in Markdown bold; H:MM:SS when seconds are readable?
**9:14**
